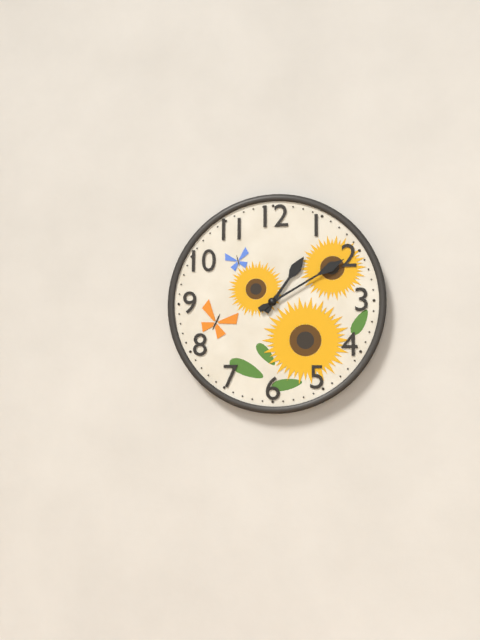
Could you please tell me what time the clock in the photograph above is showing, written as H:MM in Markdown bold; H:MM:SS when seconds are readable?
**1:10**
